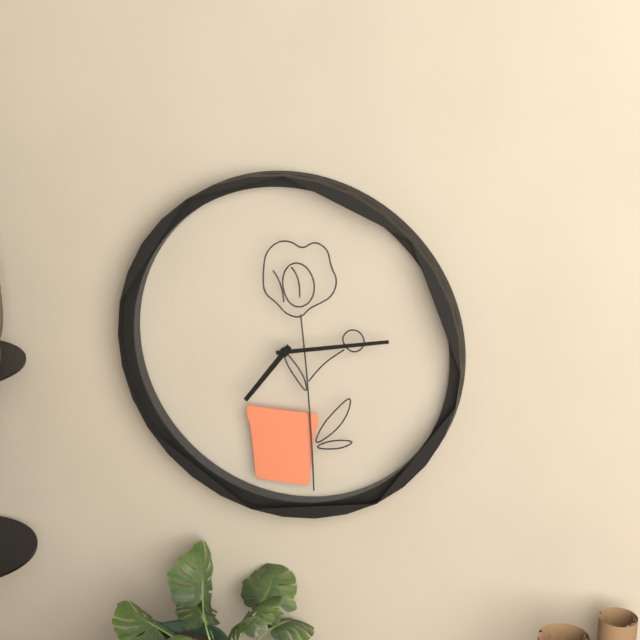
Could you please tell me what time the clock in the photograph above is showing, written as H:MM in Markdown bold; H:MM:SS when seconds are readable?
**7:13**
